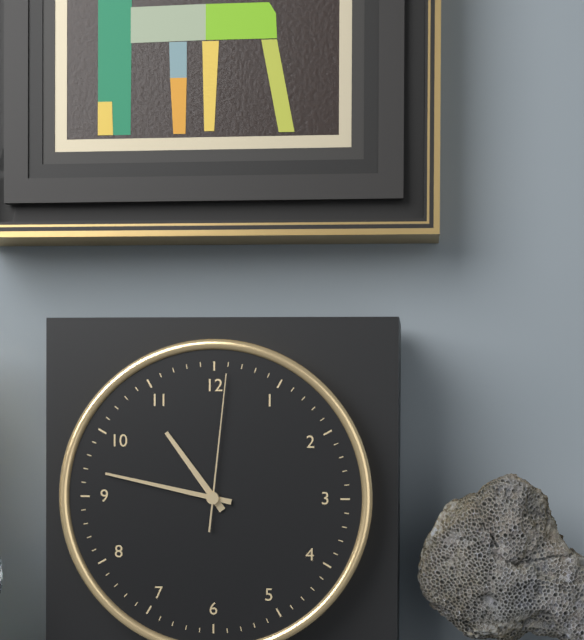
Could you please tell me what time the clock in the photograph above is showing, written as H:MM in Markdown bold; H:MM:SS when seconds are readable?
**10:47:01**
